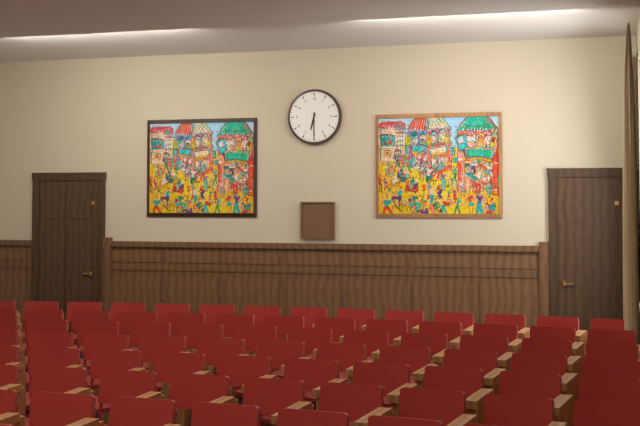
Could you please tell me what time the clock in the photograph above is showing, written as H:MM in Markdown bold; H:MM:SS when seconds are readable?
**6:30**
